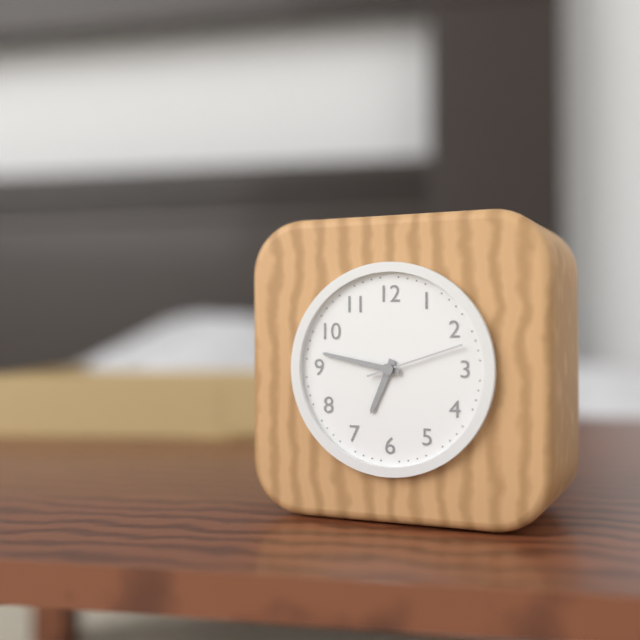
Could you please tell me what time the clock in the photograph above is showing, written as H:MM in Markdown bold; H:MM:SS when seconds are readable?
**6:47:12**
